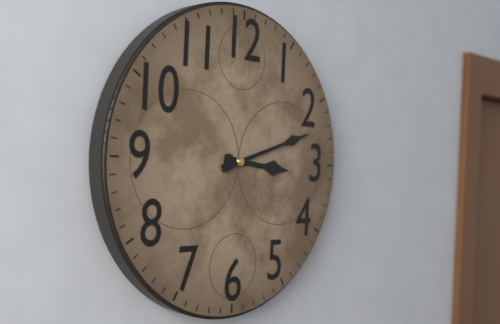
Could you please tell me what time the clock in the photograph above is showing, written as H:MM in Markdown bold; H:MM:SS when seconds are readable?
**3:12**
